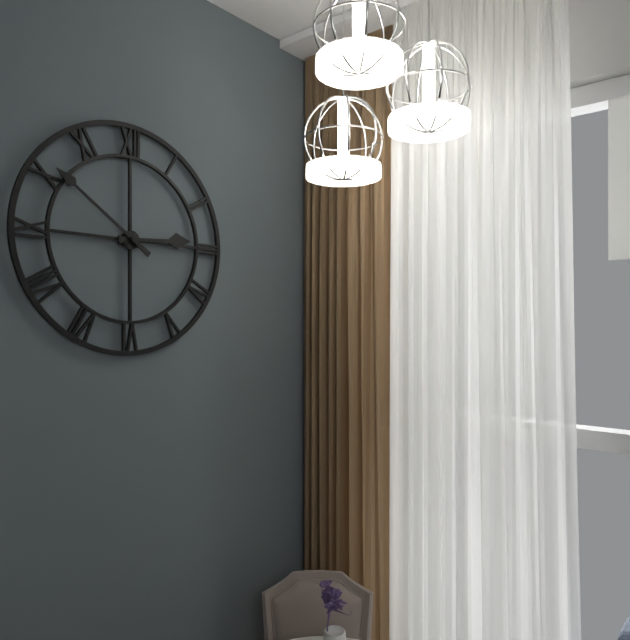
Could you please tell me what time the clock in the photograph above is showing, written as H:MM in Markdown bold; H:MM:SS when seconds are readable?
**2:51**
